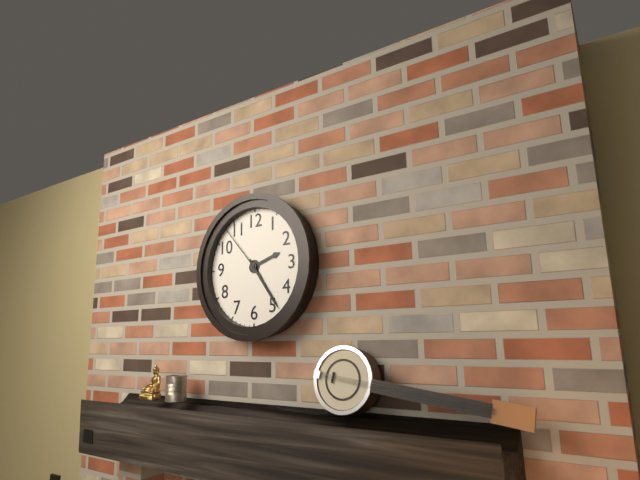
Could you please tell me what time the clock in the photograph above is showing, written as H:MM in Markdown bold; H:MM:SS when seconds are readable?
**2:24:53**
